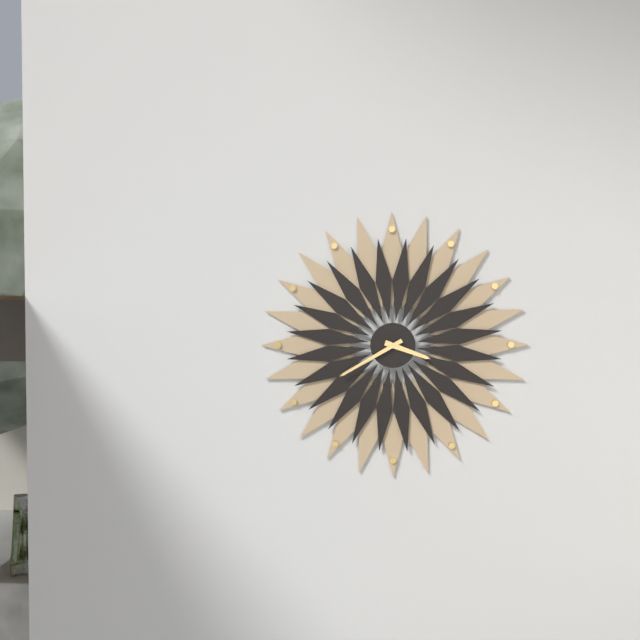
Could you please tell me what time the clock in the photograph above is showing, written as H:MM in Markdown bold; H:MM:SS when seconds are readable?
**3:40**
